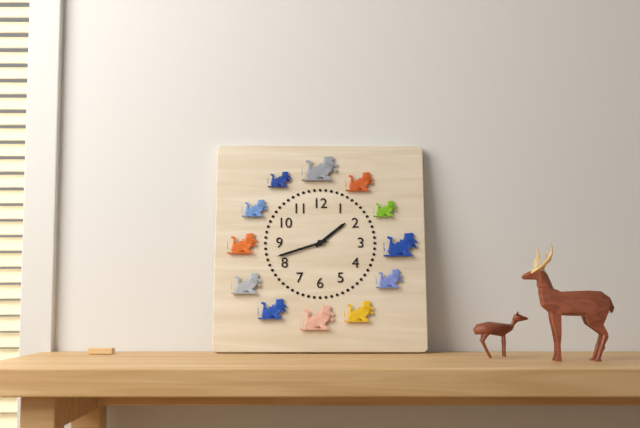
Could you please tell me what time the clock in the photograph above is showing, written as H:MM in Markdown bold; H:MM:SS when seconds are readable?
**1:42**
